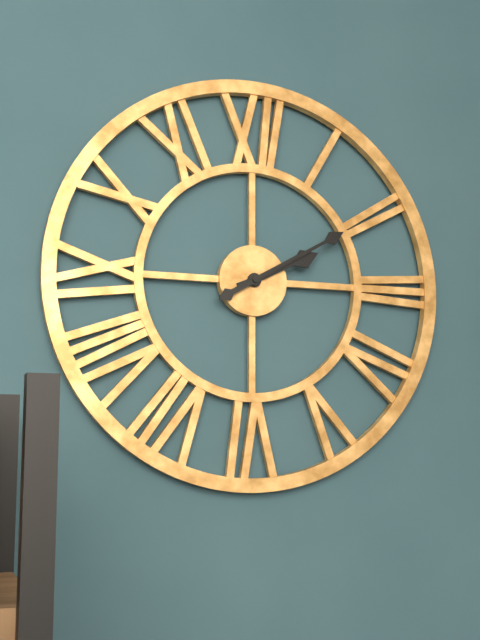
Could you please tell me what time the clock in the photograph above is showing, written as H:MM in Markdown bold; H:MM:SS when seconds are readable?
**2:10**
